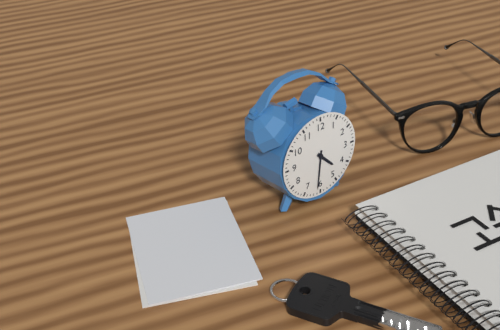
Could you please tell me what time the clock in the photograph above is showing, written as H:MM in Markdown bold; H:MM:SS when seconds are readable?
**4:31**
